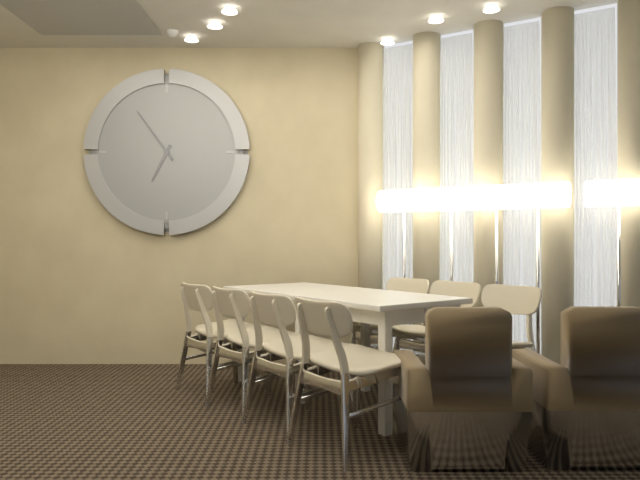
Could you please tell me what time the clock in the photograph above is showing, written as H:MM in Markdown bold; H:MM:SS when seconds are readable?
**6:54**
